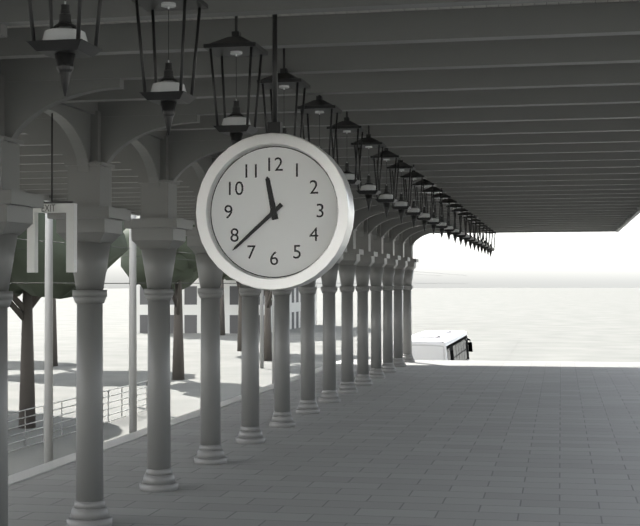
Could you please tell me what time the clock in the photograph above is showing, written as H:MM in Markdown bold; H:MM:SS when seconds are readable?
**11:38**
